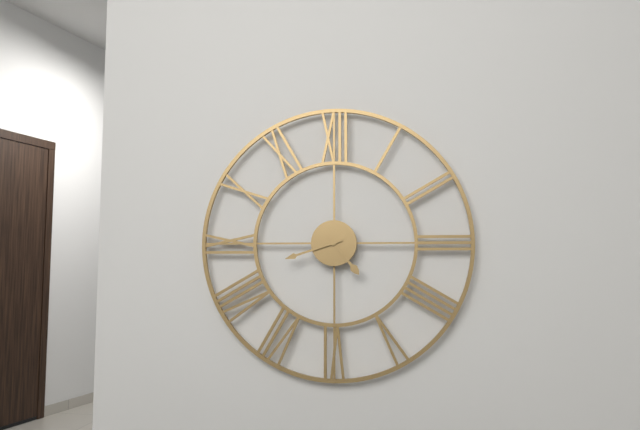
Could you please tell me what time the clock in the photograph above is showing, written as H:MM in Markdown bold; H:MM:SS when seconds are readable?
**4:42**
